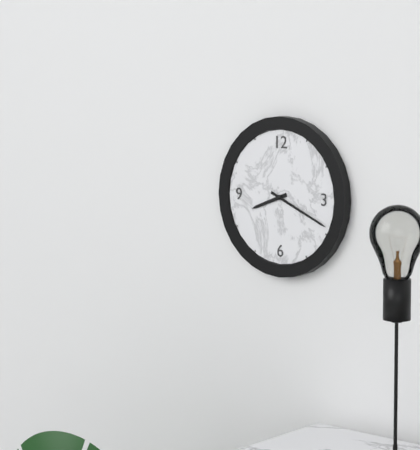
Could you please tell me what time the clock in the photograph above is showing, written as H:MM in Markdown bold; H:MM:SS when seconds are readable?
**8:19**
